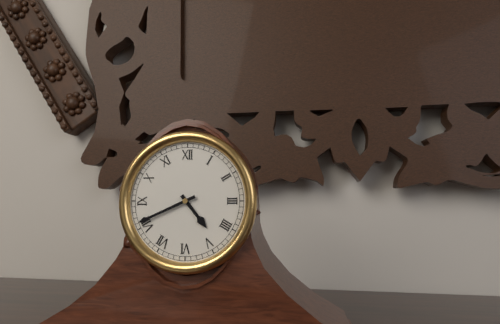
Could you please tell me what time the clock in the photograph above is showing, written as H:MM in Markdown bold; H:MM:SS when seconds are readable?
**4:41**
